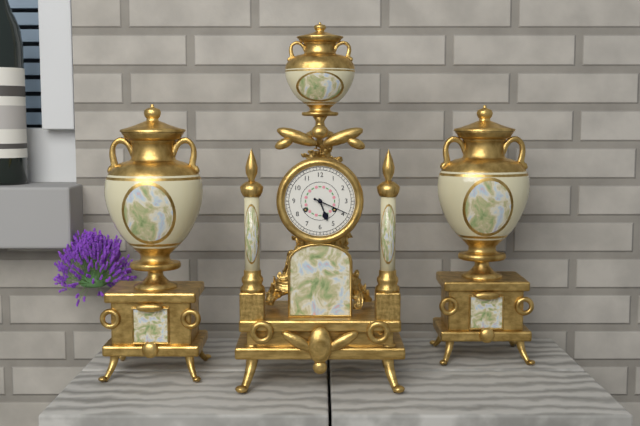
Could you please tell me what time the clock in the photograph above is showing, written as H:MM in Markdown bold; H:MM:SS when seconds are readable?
**5:19**
